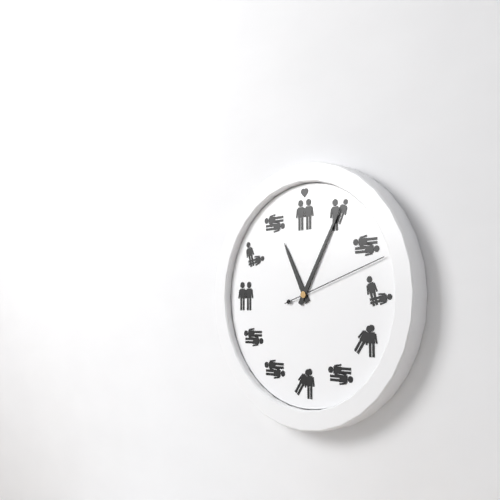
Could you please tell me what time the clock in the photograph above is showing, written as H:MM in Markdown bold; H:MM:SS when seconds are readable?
**11:05:12**
